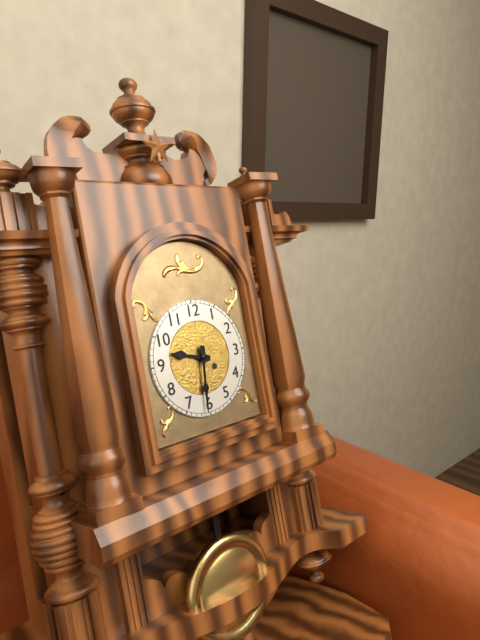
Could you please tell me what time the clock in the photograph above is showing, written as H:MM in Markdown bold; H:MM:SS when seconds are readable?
**9:31**
